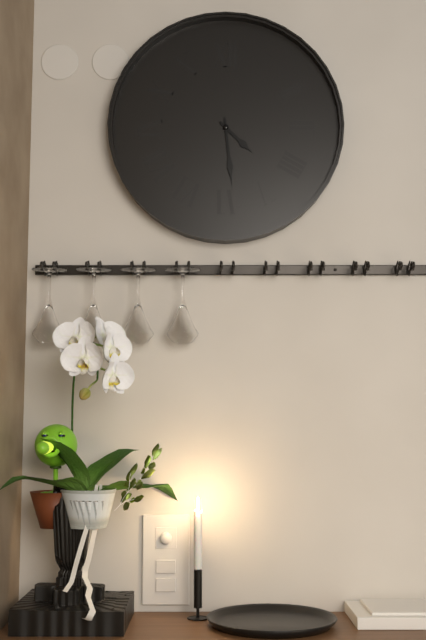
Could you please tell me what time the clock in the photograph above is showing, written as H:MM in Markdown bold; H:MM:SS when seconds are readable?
**4:29**
